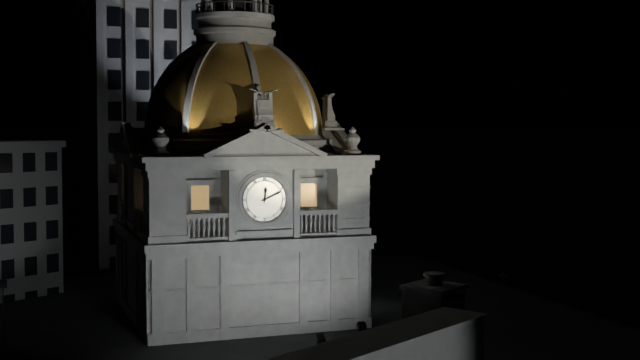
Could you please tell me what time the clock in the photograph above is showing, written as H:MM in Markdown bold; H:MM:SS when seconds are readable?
**12:11**
